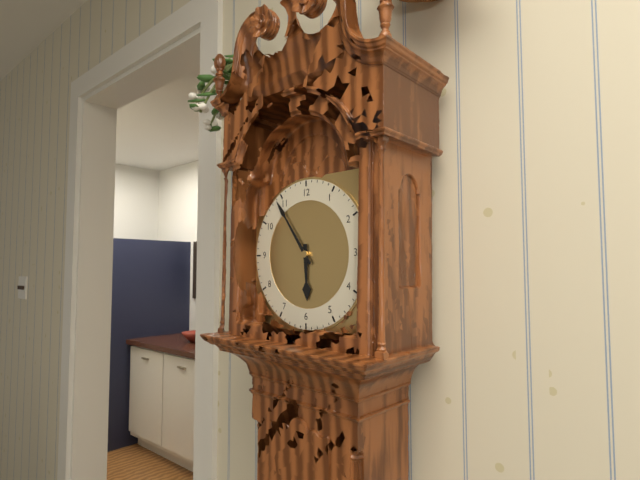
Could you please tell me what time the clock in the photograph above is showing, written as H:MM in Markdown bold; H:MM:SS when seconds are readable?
**5:54**
